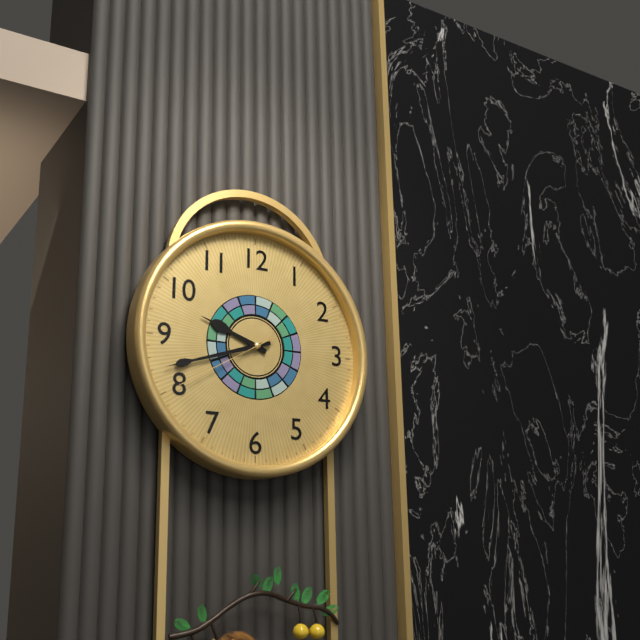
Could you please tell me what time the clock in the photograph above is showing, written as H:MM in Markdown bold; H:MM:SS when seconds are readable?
**9:42:40**
